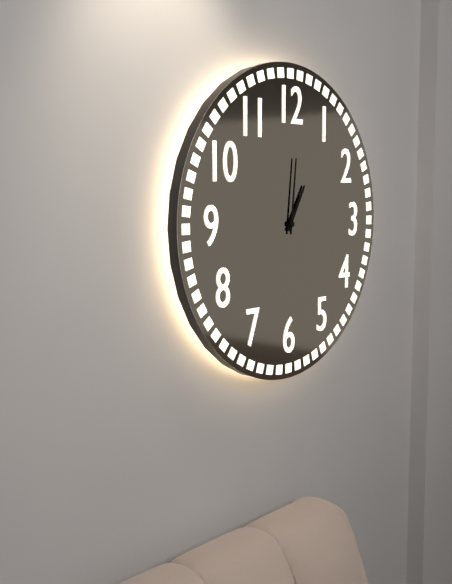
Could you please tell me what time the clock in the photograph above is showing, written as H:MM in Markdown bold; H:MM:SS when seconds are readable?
**1:01**
